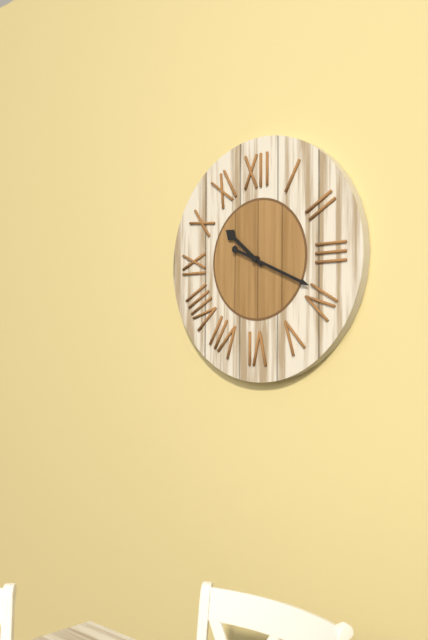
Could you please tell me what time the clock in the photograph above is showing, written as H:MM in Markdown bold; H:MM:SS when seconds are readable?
**10:19**
